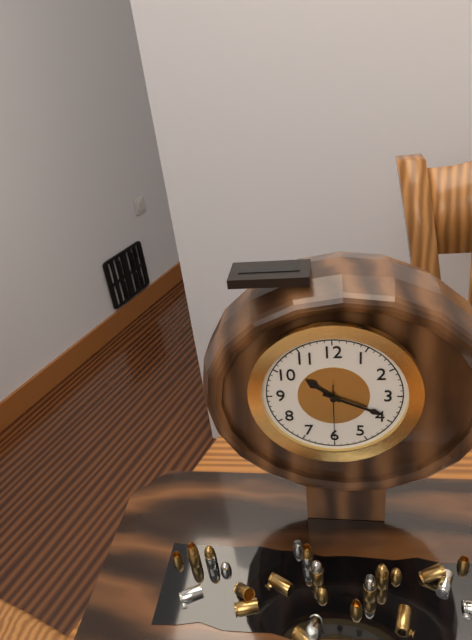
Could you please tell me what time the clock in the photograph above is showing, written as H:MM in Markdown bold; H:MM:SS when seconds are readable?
**10:19:30**
